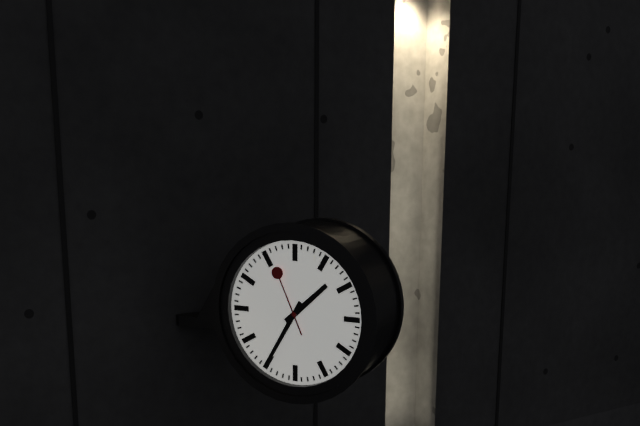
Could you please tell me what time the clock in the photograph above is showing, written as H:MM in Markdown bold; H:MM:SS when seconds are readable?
**1:35:56**
